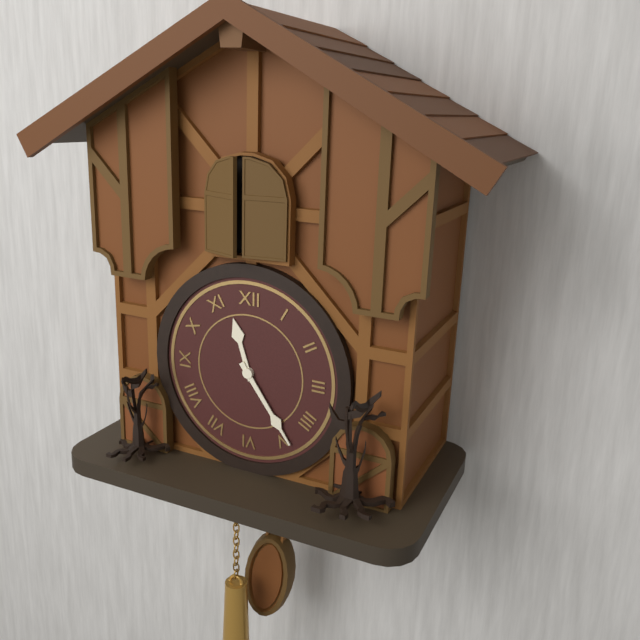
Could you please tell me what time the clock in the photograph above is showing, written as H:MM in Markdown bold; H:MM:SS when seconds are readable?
**11:24**
